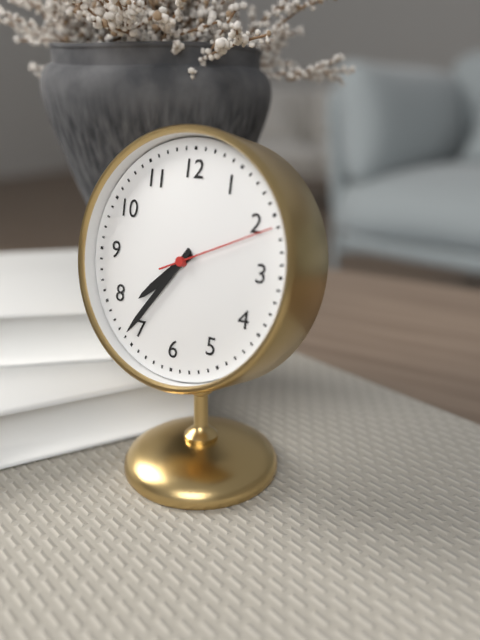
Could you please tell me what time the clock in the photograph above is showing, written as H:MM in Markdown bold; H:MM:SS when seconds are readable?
**7:36:11**
